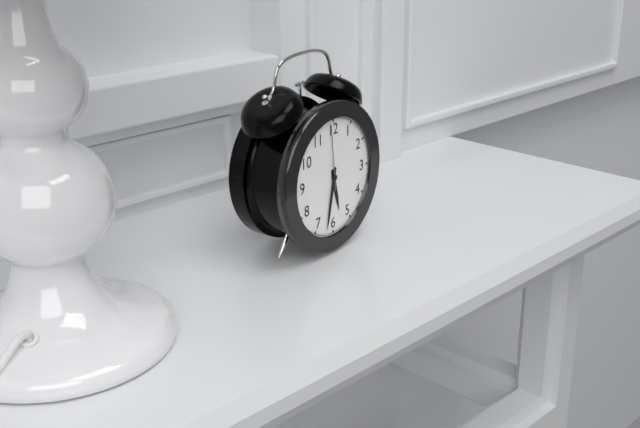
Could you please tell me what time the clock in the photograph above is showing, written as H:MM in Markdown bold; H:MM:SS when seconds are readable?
**5:32:59**
